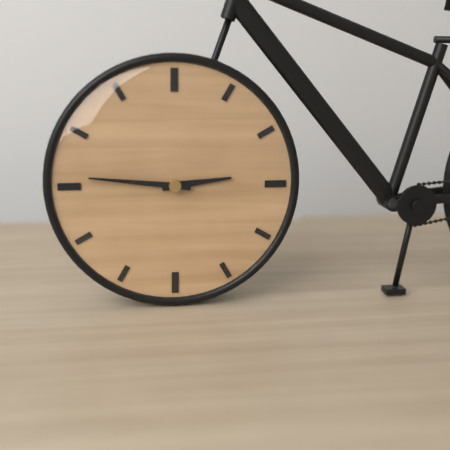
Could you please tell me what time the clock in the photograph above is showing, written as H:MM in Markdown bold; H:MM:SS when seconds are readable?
**2:46**
